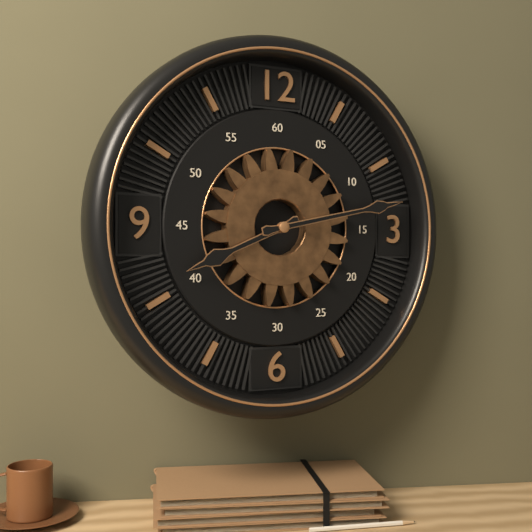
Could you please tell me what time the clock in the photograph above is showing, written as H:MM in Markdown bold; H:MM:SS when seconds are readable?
**8:13**
